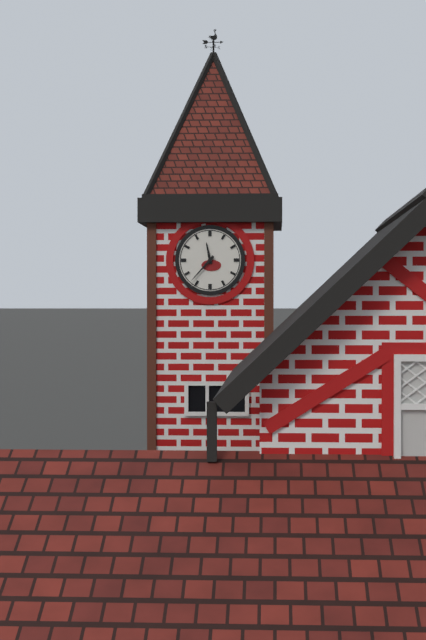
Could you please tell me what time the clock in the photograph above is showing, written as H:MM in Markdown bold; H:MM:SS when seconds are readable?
**11:37**
